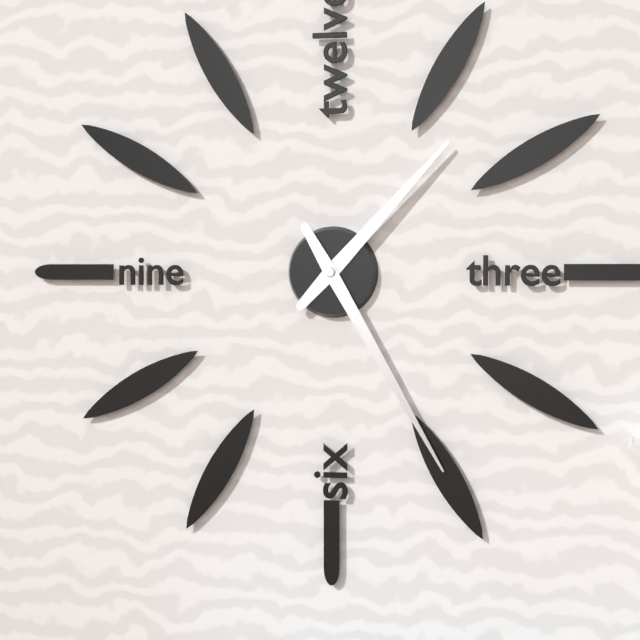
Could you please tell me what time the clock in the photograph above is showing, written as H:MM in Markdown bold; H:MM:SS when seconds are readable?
**1:25**
